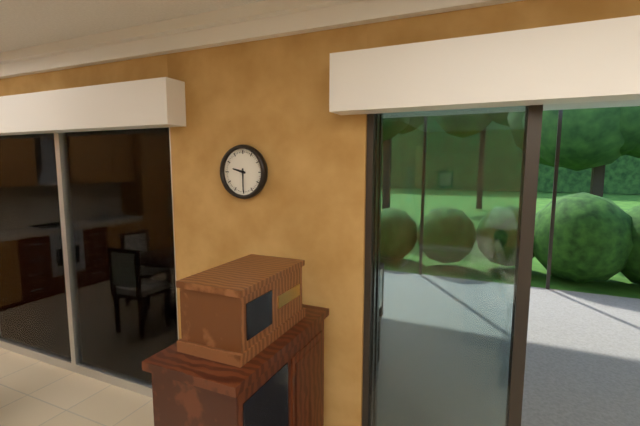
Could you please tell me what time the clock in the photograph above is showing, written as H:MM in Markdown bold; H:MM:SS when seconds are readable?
**9:30**
